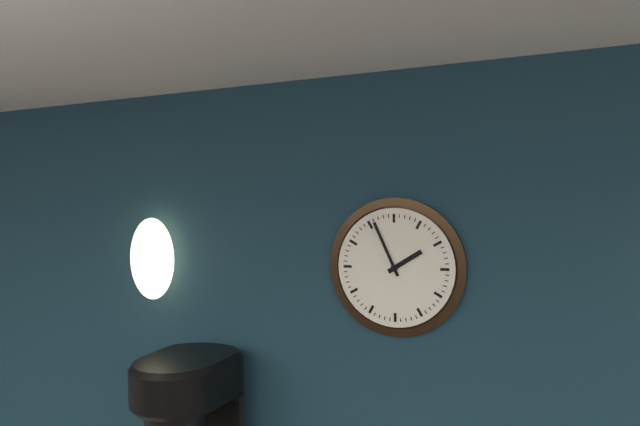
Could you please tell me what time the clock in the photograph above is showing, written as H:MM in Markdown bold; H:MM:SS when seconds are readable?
**1:56**
